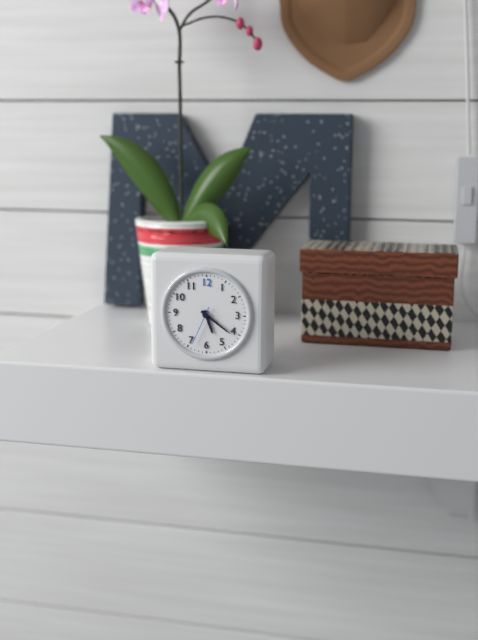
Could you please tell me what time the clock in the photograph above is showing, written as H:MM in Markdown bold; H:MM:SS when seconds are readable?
**5:21**
